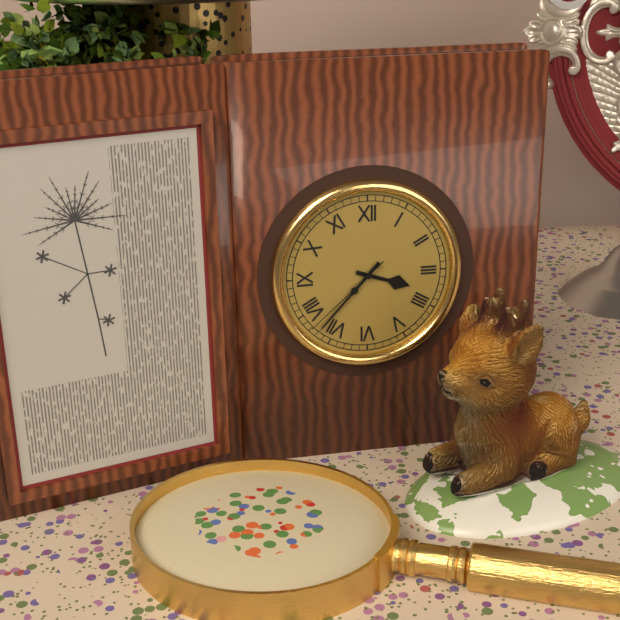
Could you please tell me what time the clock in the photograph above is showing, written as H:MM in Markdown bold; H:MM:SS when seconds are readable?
**3:37:38**
